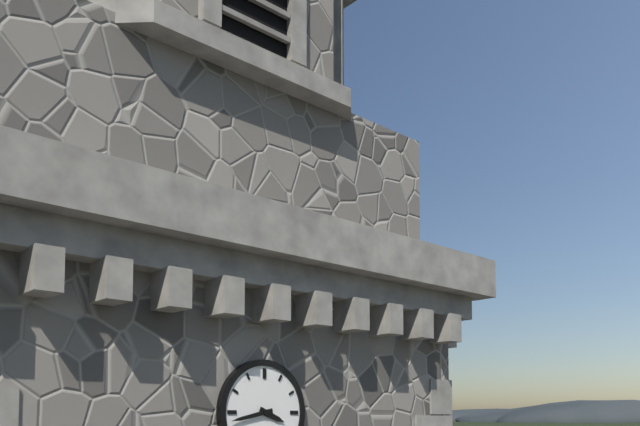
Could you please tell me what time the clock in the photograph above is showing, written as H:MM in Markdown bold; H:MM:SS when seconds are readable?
**3:43**
